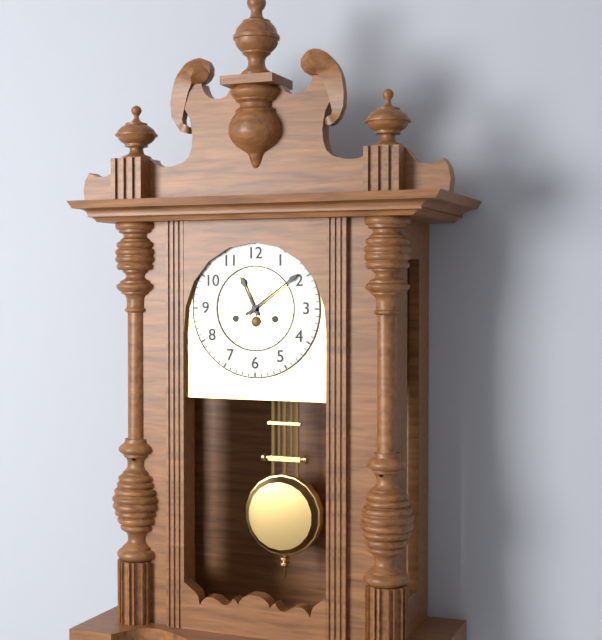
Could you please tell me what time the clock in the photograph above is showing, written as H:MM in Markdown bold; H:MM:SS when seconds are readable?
**11:09**
